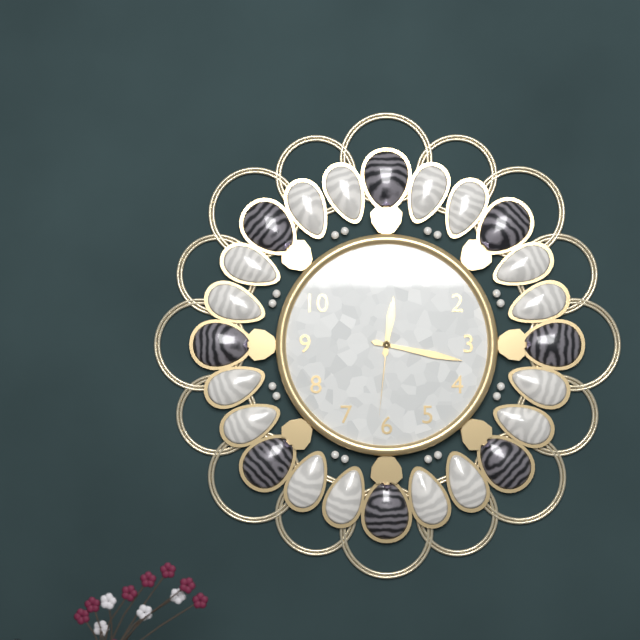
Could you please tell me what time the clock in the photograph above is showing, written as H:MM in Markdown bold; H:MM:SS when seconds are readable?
**12:17:31**
